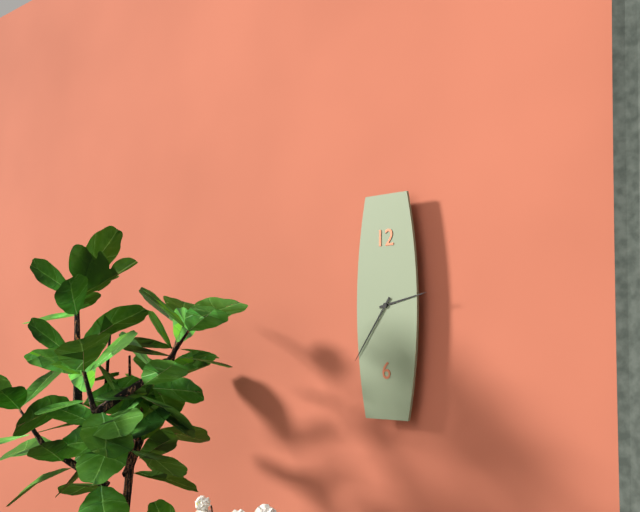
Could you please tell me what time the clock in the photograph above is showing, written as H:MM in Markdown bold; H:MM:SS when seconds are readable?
**2:36**
